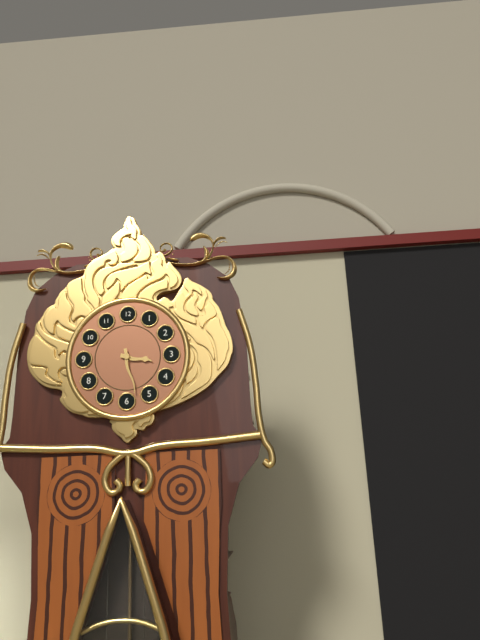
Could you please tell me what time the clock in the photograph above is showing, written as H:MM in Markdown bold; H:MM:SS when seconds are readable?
**3:28**
